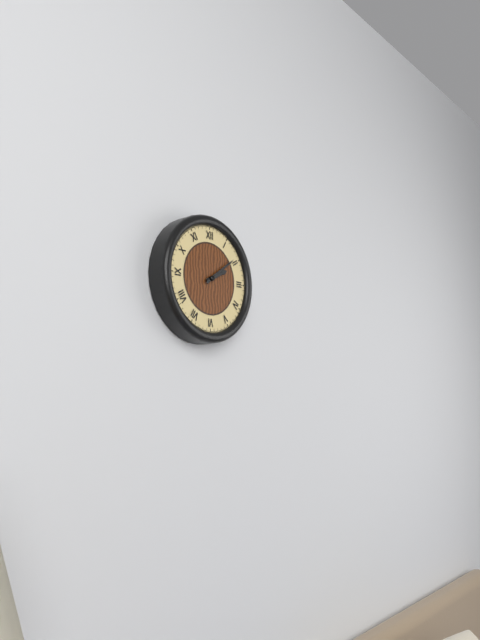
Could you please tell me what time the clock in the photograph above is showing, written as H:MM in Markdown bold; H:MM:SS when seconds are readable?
**2:09**
